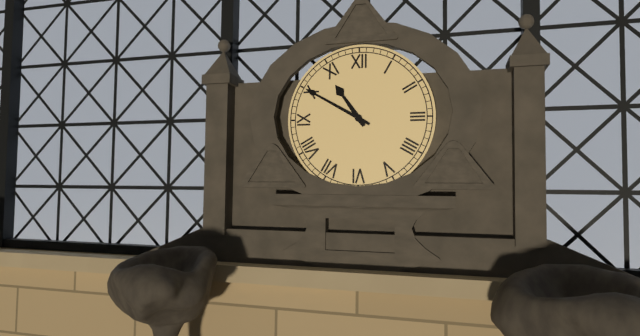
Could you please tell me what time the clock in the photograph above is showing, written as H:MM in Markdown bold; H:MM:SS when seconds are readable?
**10:50**
